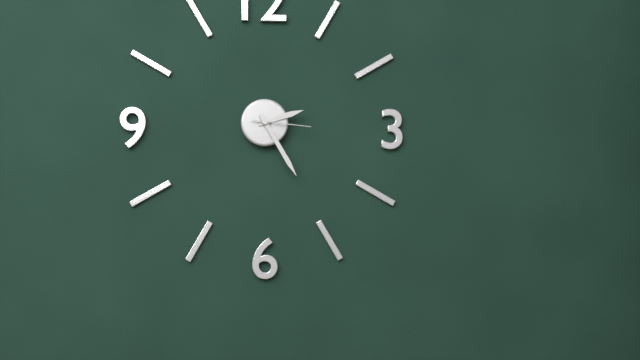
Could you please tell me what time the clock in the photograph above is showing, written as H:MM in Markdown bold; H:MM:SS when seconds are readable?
**2:25:16**
